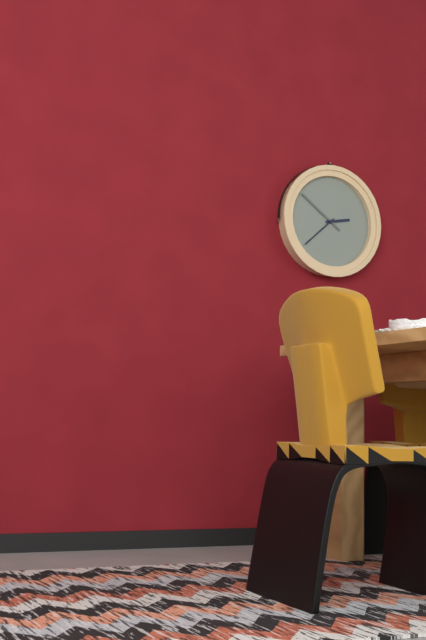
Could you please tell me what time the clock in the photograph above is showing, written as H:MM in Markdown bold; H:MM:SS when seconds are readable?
**2:38**
